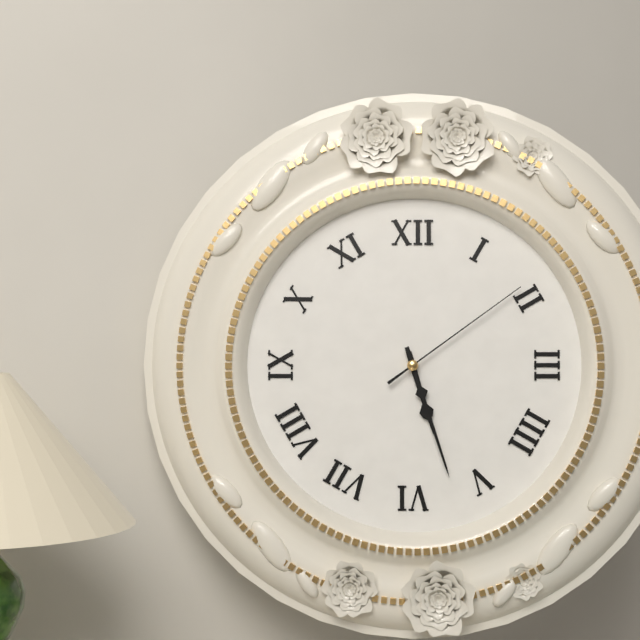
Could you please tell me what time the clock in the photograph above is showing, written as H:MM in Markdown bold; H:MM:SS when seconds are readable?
**5:27:09**
